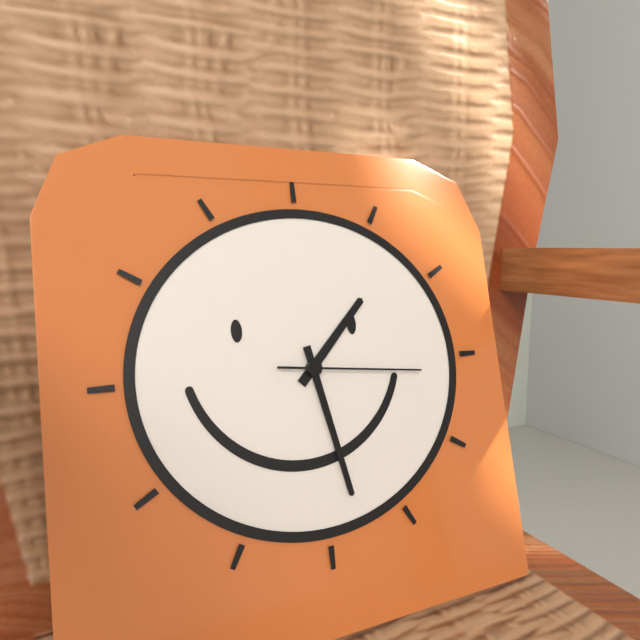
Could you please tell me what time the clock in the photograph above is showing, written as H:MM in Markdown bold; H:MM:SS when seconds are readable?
**1:28:16**
